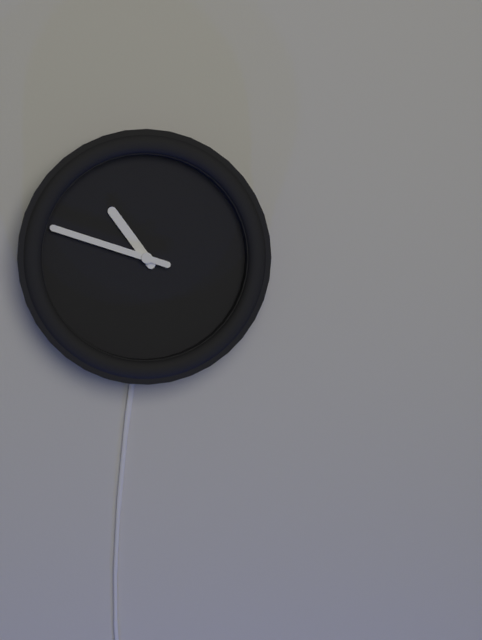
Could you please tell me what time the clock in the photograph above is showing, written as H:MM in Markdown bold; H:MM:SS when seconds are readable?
**10:48**
